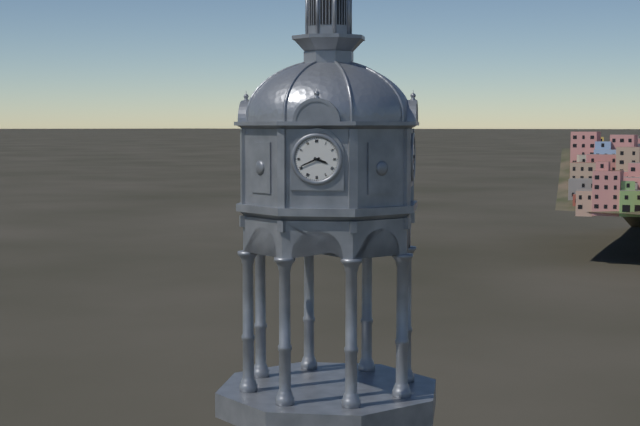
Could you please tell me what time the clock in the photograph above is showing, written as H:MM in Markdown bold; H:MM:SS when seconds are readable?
**3:41**
